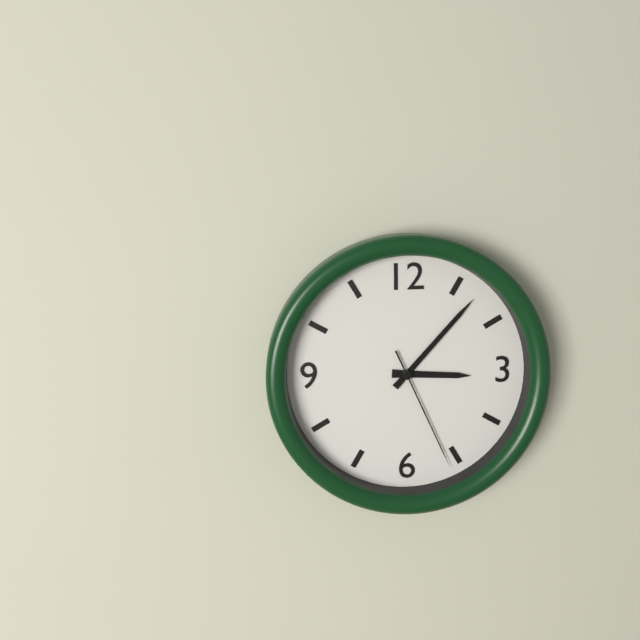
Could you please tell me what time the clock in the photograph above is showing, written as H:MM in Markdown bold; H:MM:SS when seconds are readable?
**3:07:26**
